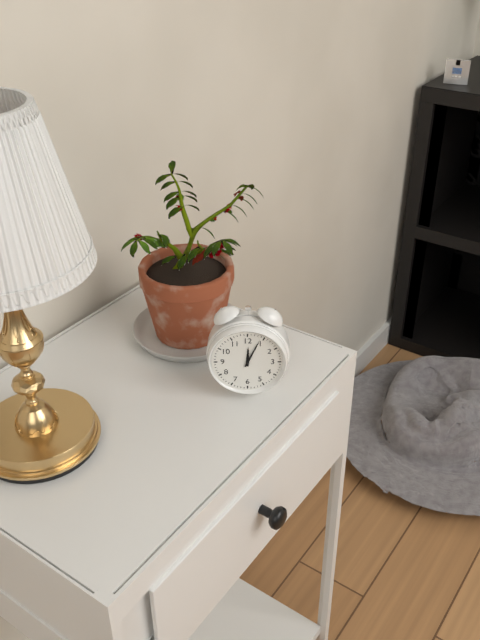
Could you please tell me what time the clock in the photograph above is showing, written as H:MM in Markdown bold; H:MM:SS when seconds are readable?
**12:04**
